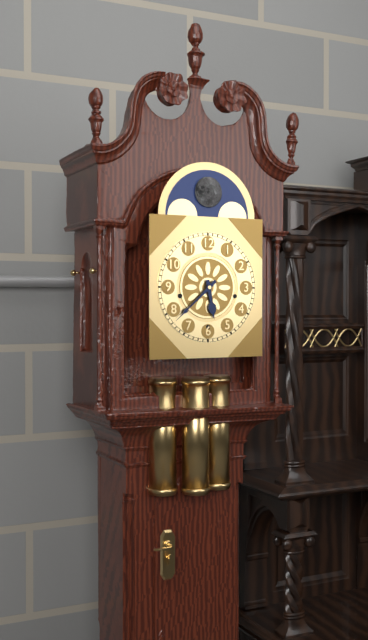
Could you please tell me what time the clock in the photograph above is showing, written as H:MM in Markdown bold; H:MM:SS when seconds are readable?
**5:38**
